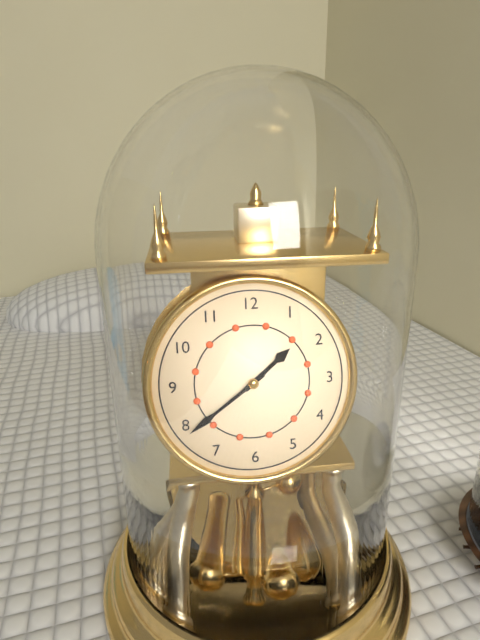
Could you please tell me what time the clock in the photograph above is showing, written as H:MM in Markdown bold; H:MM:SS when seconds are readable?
**1:39**
